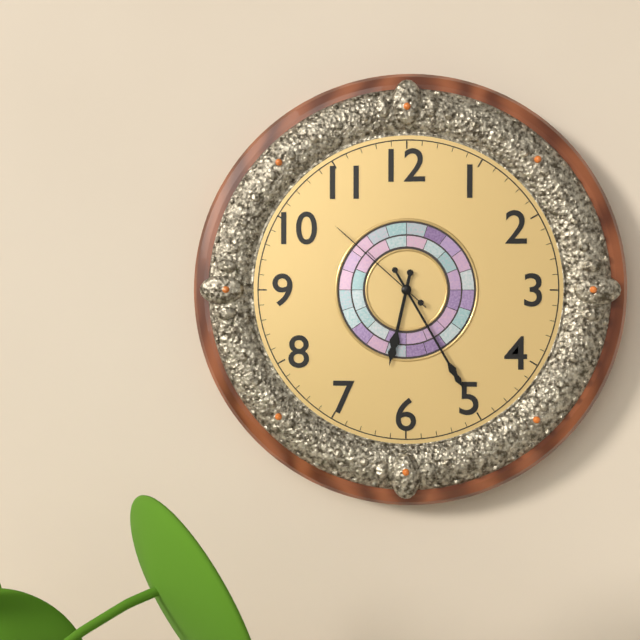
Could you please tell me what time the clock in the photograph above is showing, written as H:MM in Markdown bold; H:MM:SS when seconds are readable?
**6:25:52**
